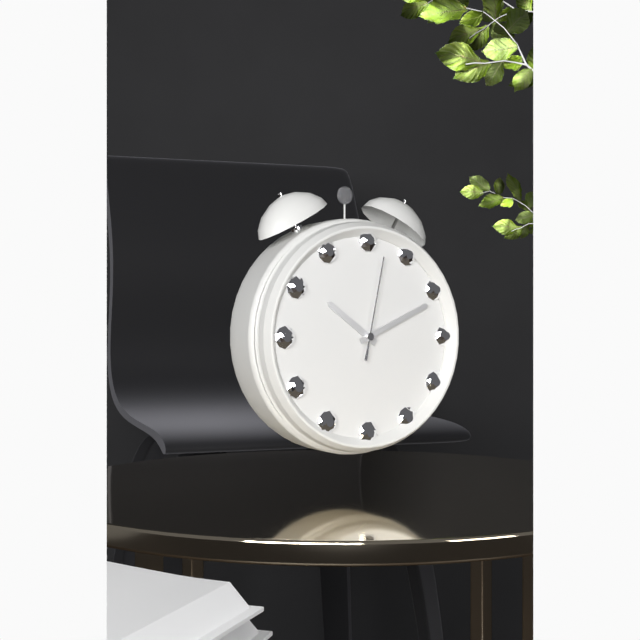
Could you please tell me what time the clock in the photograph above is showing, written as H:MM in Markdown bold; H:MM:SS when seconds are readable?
**10:11:02**
